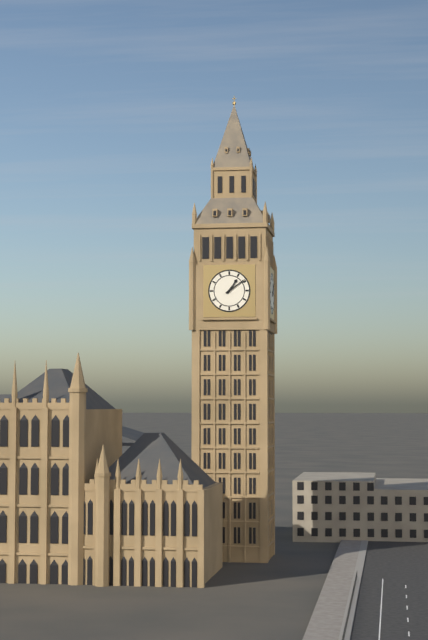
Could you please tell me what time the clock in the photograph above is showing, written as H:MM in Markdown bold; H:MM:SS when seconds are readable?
**1:09**
